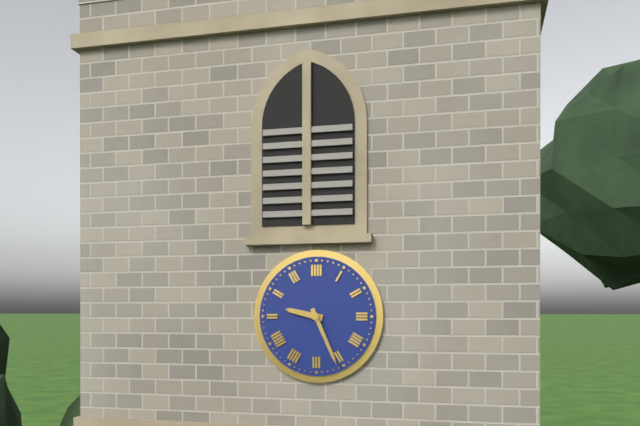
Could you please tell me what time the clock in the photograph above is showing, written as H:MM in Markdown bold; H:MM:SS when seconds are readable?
**9:26**
